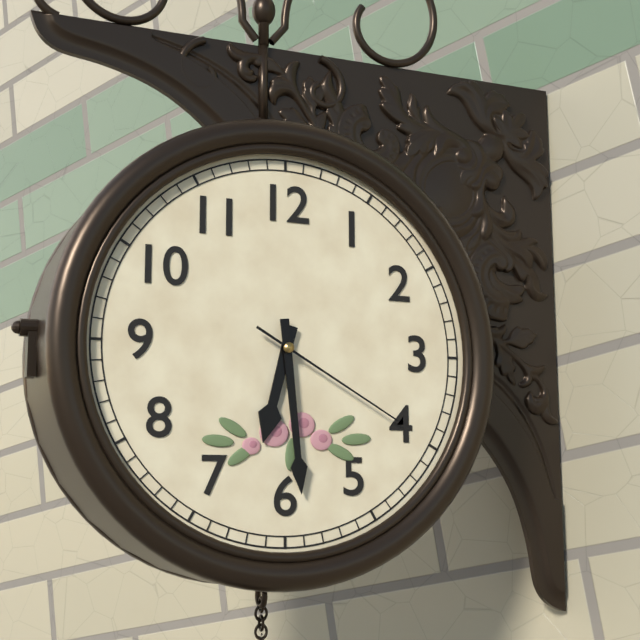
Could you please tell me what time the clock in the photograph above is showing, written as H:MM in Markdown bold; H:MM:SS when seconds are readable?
**6:29:20**
